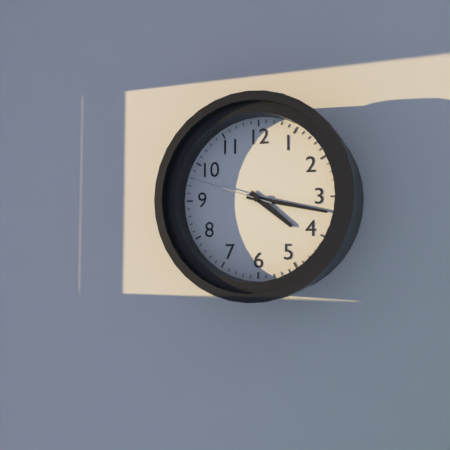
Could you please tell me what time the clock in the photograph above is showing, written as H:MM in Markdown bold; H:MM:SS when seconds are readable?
**4:17:48**
